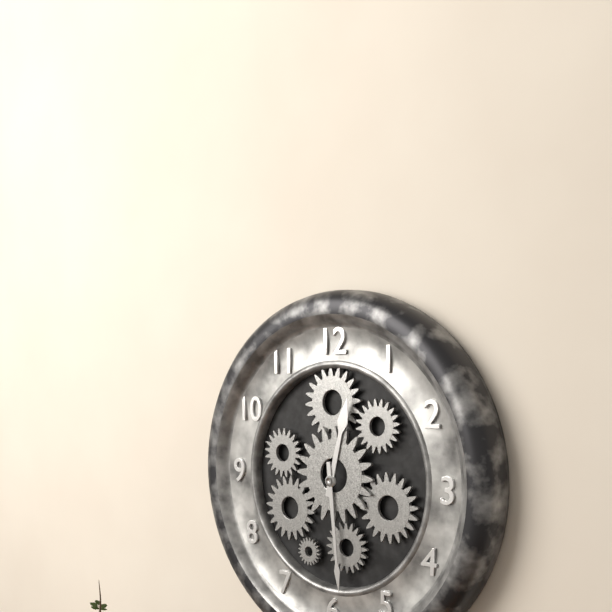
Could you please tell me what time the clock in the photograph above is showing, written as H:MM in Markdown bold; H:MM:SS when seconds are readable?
**12:29**
